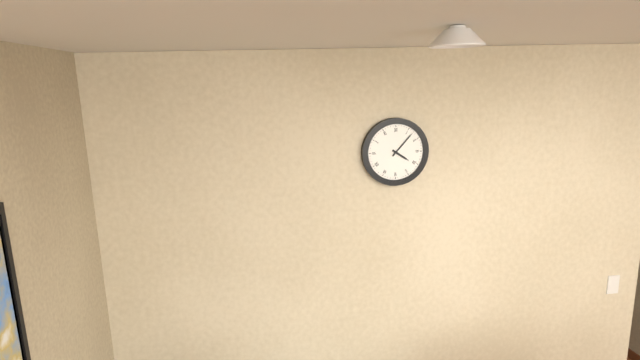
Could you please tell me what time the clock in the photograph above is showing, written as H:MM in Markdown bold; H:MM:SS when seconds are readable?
**4:07**
